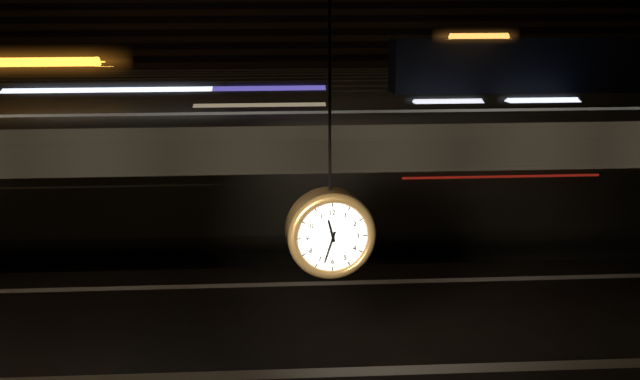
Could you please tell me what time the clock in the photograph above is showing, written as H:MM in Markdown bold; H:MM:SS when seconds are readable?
**11:33**
